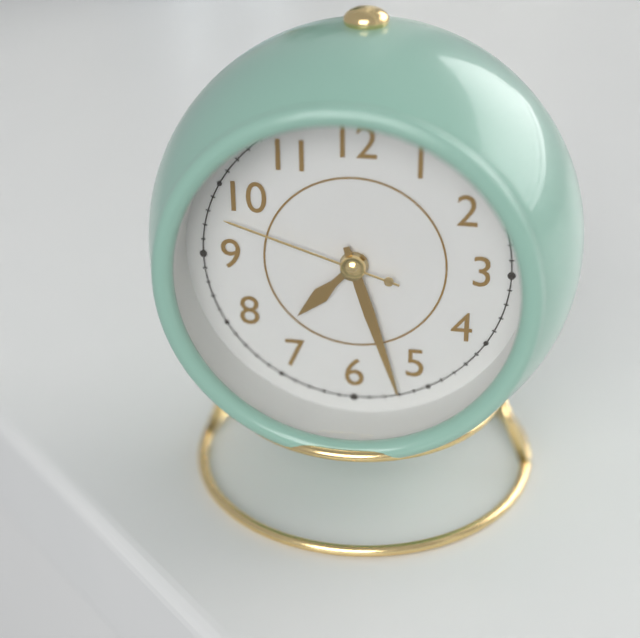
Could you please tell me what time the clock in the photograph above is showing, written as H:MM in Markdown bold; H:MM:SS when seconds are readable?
**7:27:48**
